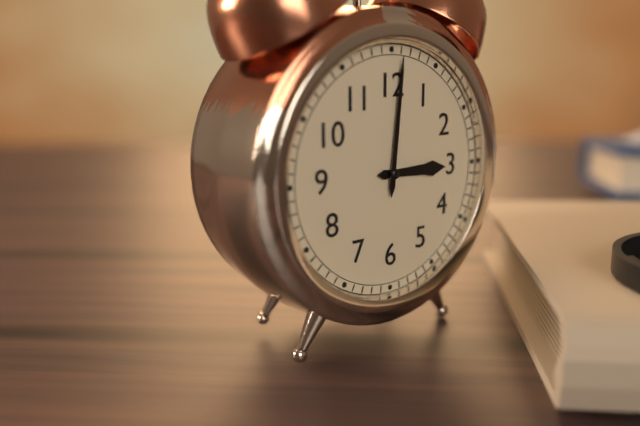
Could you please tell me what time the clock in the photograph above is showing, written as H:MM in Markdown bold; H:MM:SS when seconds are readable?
**3:01**
